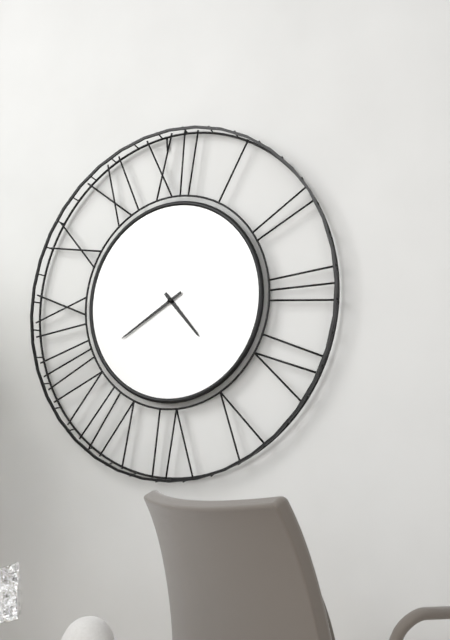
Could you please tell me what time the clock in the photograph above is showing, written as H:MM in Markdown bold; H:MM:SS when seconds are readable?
**4:40**
